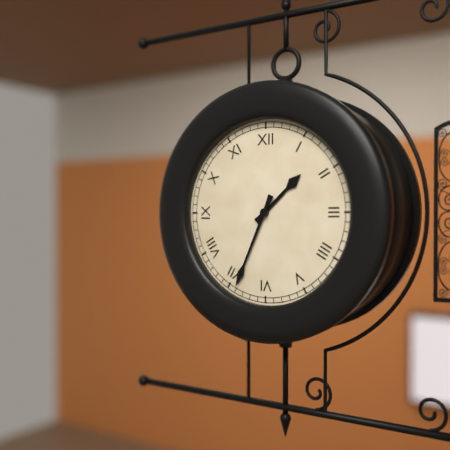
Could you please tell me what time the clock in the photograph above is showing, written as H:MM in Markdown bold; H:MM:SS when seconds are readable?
**1:34**
